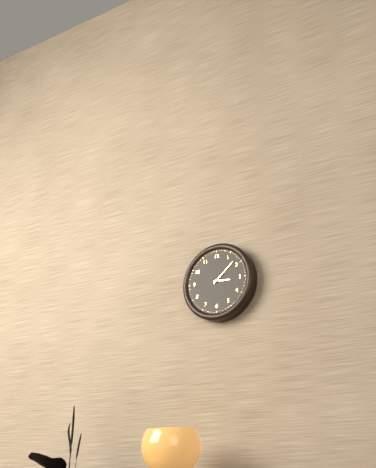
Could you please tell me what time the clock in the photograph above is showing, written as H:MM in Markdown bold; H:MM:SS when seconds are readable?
**3:08**
